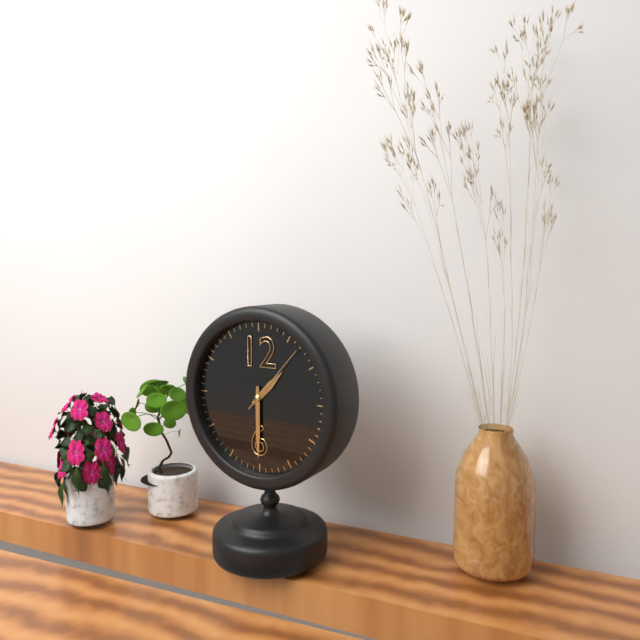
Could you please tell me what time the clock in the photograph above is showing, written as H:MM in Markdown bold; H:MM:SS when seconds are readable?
**1:30:07**
